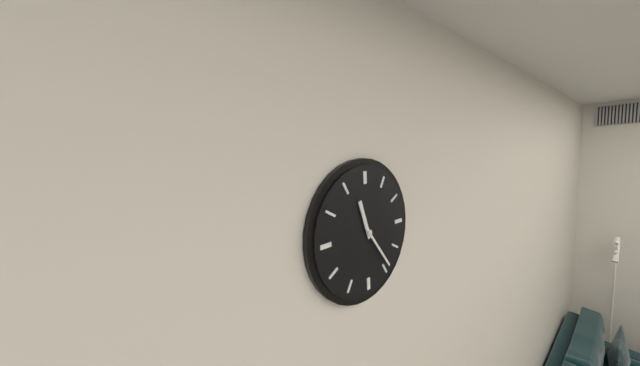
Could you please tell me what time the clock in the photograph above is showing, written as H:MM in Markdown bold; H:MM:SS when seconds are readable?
**11:24**
